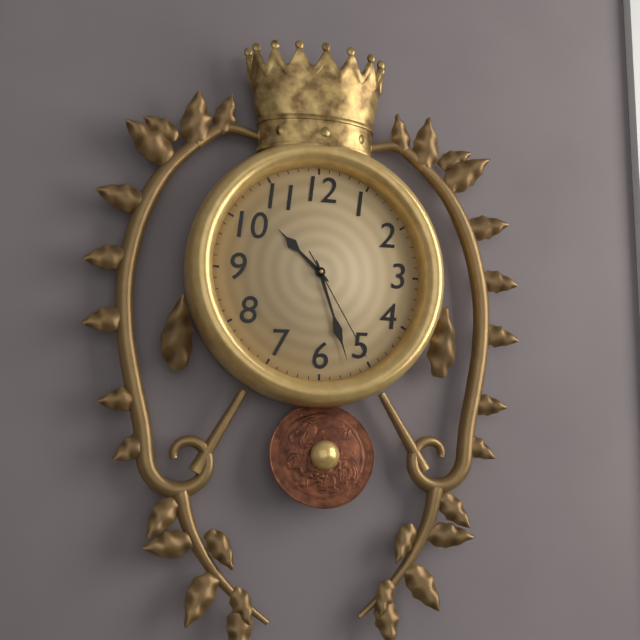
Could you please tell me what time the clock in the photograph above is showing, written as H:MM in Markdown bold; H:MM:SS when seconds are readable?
**10:27:25**
